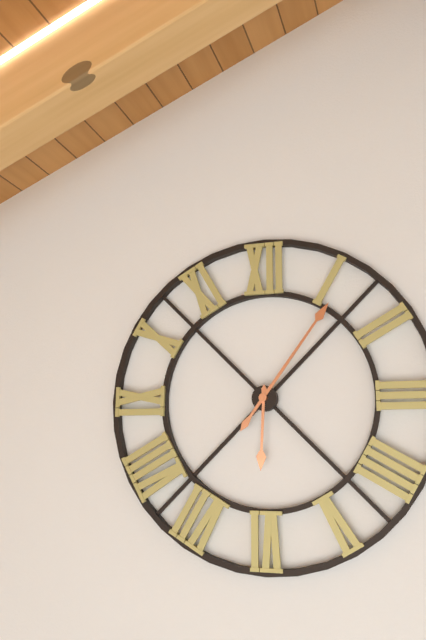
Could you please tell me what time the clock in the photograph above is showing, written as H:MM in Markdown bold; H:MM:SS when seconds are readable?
**6:06**
